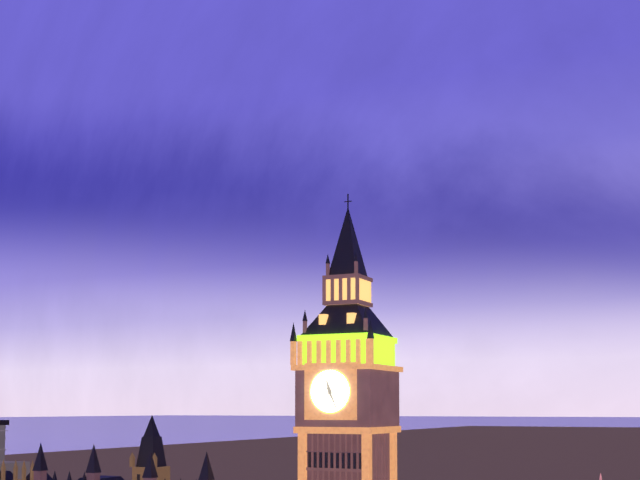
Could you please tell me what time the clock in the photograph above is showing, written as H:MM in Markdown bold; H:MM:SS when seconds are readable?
**11:26**
